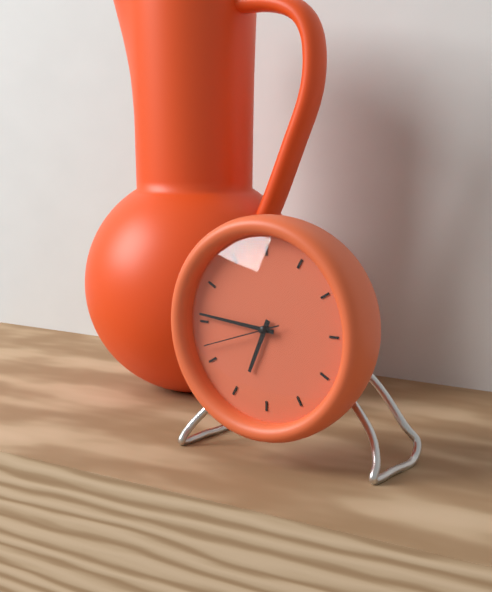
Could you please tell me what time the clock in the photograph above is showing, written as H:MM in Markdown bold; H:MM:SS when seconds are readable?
**6:46:42**
